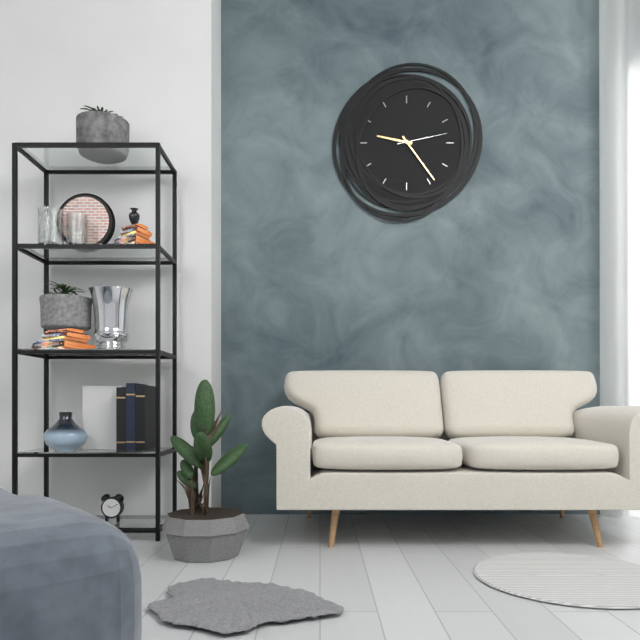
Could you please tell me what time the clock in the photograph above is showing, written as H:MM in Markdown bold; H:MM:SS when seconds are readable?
**9:24:13**
